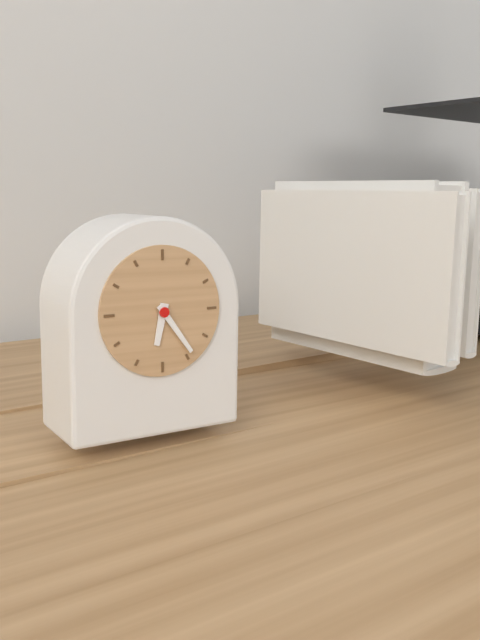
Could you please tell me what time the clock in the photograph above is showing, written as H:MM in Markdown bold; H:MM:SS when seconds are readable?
**6:24**
